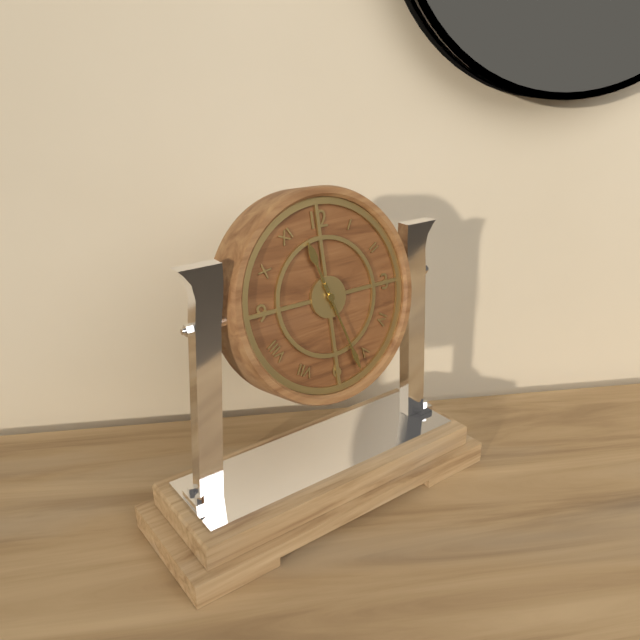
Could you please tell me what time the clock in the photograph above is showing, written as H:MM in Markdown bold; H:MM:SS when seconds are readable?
**11:27**
